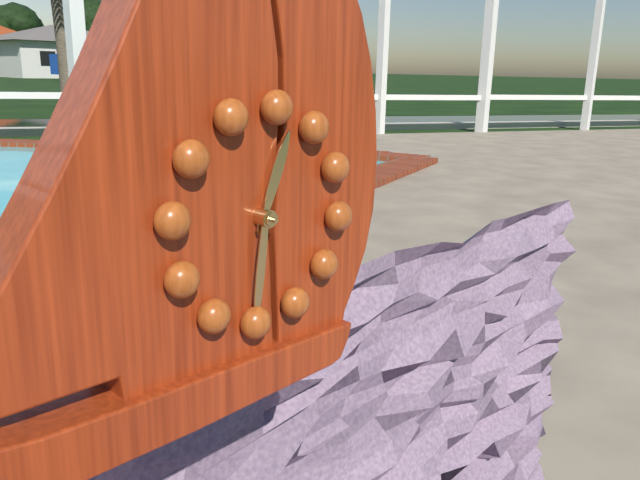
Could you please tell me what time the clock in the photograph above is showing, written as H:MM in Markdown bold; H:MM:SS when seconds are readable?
**12:30**
